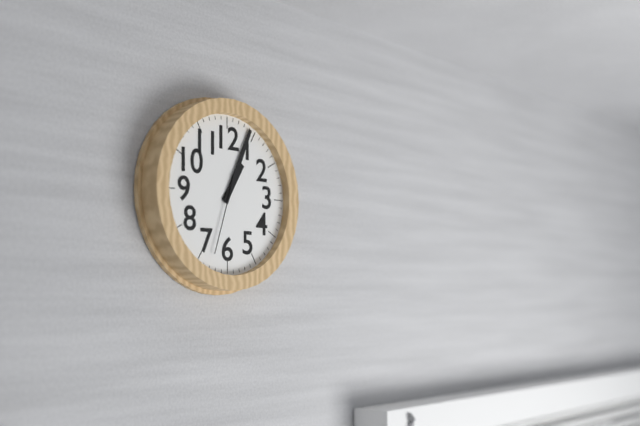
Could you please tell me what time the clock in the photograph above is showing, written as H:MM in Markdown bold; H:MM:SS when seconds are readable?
**1:04:33**
